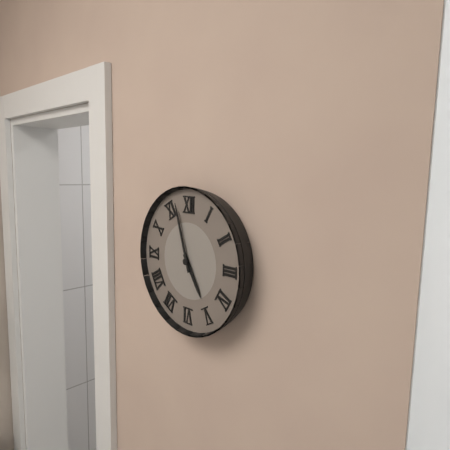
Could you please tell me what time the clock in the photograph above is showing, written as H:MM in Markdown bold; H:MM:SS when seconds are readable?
**4:57**
